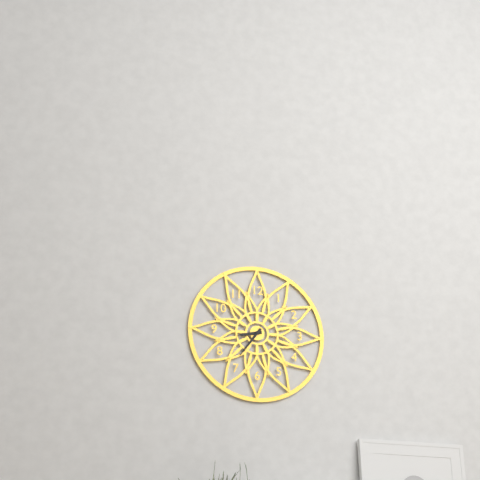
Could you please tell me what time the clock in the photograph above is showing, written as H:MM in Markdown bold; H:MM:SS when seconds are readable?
**8:36**
